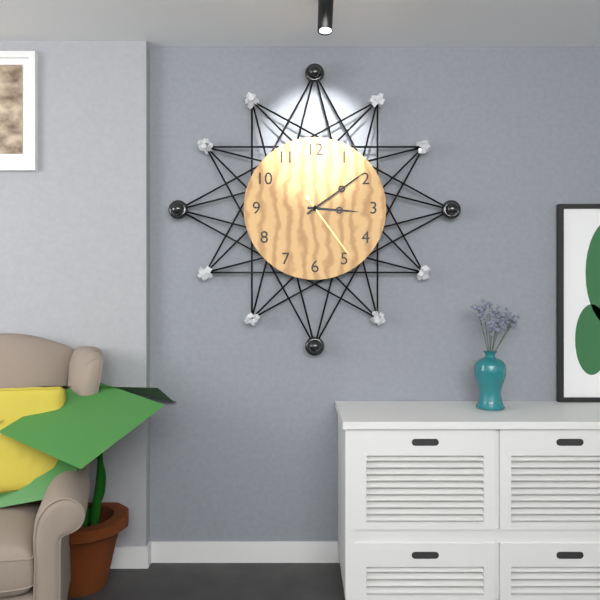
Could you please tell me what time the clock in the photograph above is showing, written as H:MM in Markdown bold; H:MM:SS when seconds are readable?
**3:09:24**
